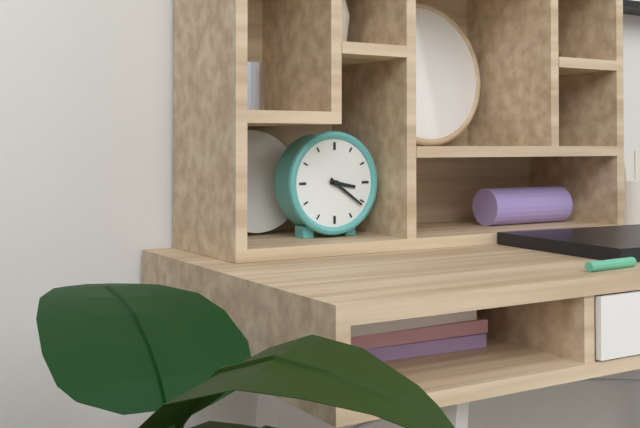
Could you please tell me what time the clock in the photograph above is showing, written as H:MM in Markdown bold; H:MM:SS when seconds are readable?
**3:21**
